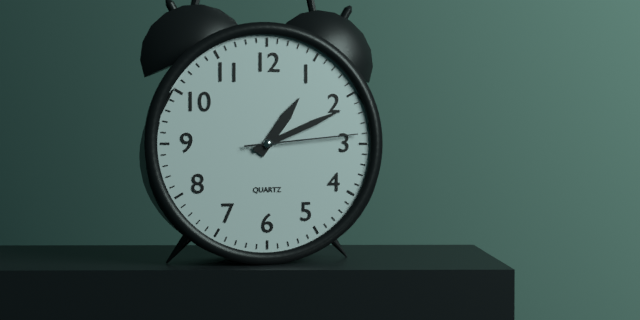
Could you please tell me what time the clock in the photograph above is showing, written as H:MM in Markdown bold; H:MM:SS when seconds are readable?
**1:11:14**
